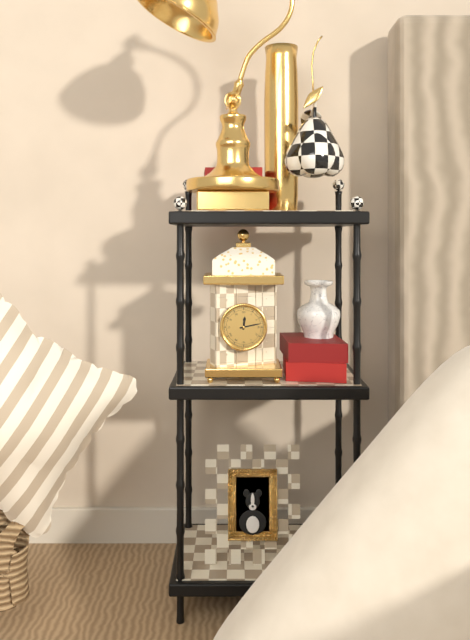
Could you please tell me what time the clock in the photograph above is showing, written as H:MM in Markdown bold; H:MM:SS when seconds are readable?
**12:13**
